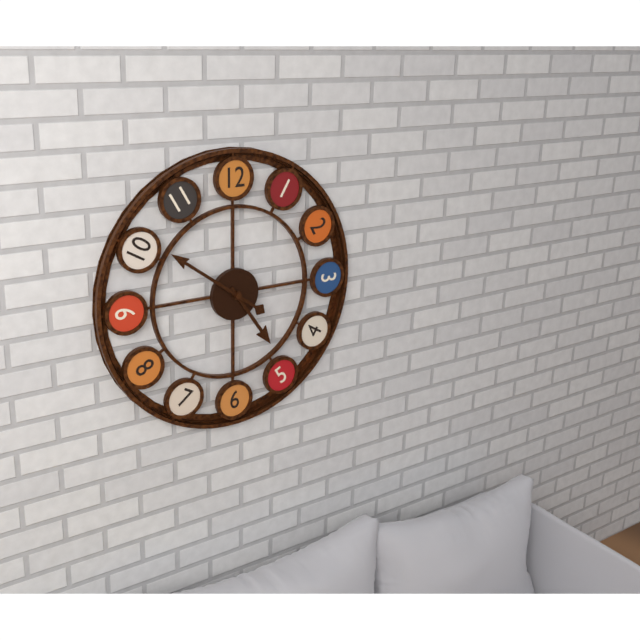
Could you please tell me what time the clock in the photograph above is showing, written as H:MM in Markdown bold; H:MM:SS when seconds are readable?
**4:51**
